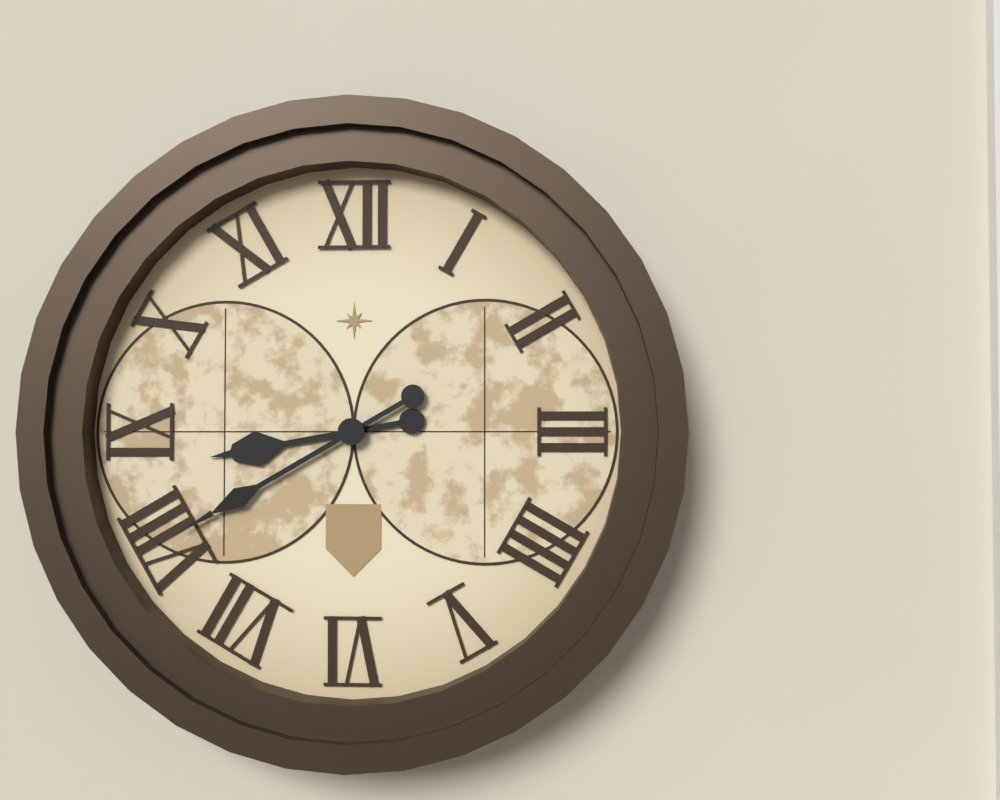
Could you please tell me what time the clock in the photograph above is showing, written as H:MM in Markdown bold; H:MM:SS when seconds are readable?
**8:40**
